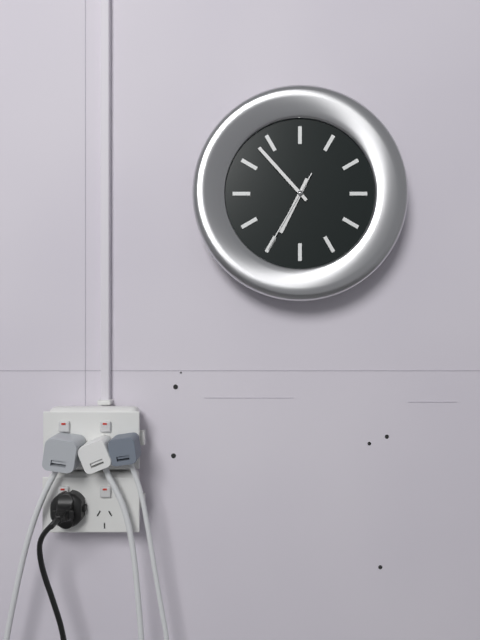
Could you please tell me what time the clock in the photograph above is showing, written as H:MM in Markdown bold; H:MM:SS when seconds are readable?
**6:53:35**
